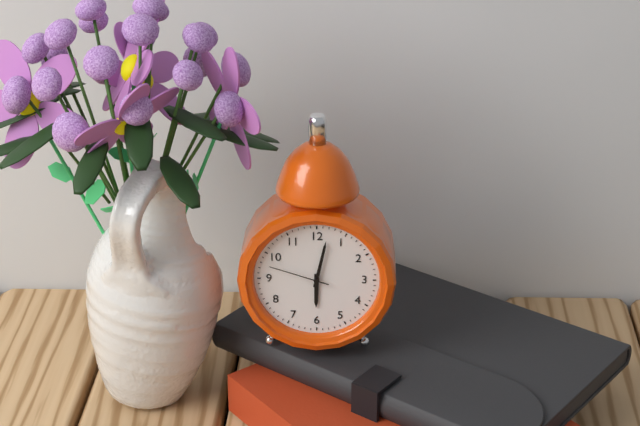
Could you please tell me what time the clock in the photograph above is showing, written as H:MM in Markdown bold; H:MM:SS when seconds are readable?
**6:02:48**
